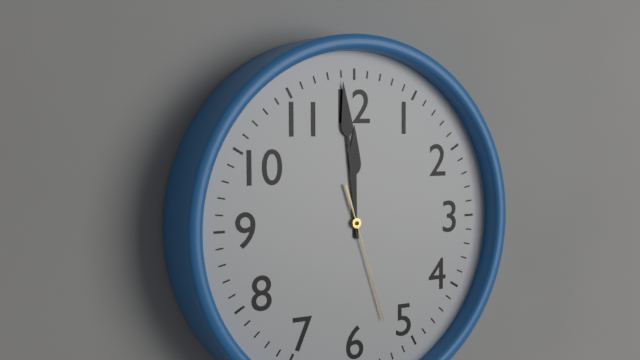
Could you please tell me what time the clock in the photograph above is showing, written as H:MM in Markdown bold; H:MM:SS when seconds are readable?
**11:59:27**
